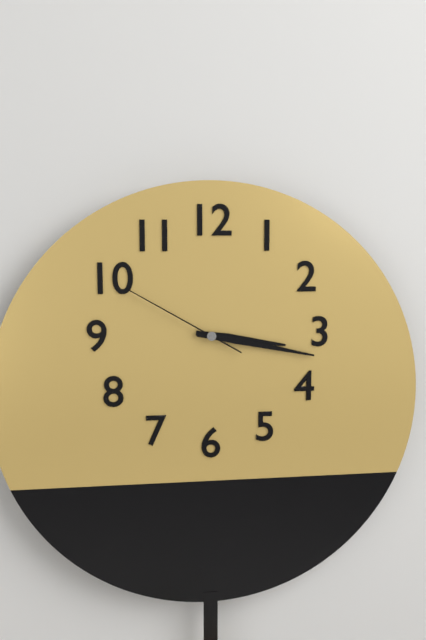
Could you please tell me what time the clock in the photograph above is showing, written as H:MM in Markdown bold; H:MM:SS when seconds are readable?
**3:17:50**
